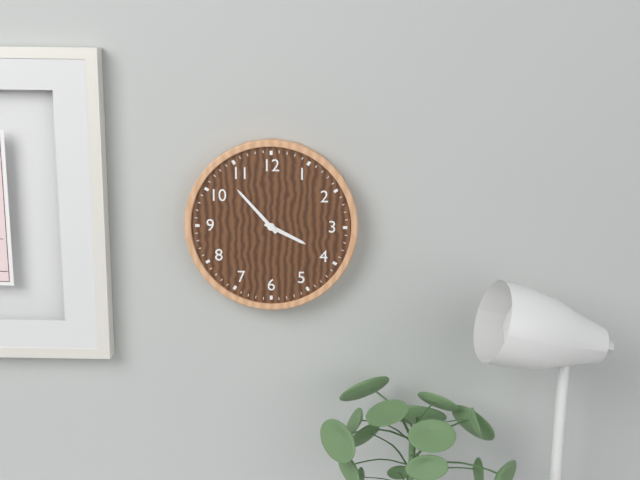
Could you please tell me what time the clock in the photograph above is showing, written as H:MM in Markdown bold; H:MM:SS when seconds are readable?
**3:53**
